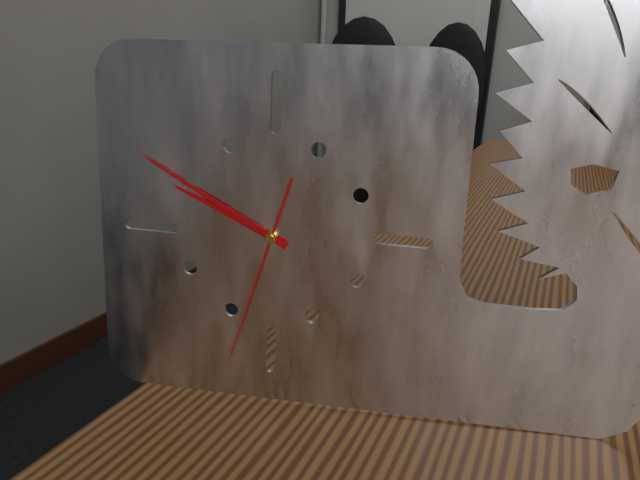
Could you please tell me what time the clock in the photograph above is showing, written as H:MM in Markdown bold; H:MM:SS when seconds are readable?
**9:50:33**
